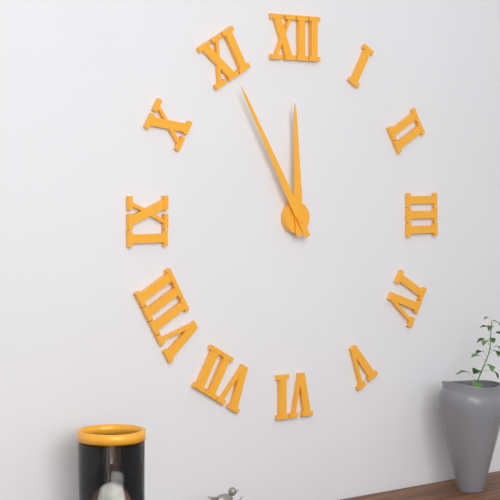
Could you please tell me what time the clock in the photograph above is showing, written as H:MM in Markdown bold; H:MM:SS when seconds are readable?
**11:55**
